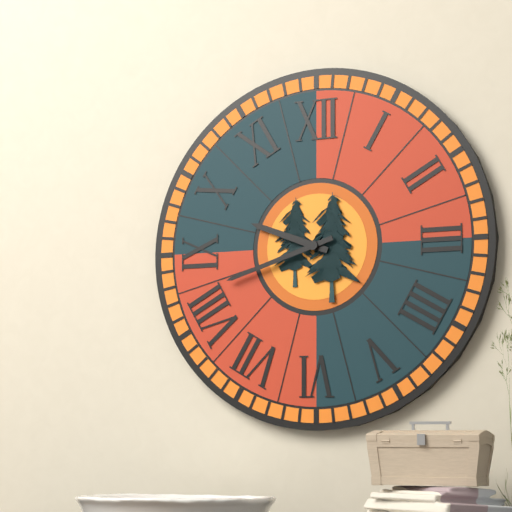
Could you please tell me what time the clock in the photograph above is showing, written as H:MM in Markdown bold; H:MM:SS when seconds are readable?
**9:42**
